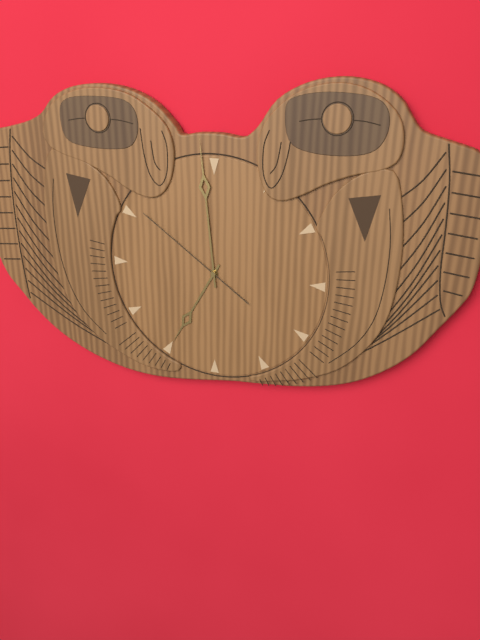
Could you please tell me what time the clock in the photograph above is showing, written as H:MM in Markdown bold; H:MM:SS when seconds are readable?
**6:59:51**
